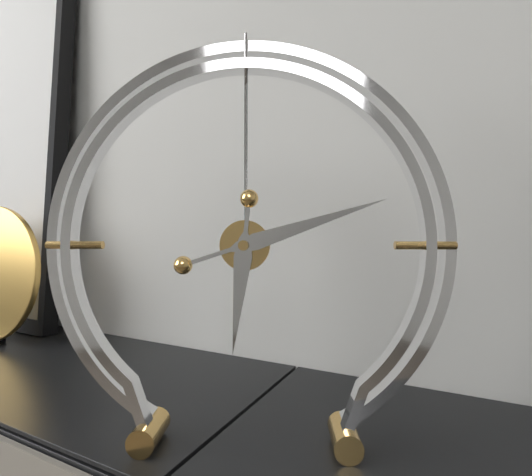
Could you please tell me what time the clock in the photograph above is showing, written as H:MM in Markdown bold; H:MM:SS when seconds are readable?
**6:12**
